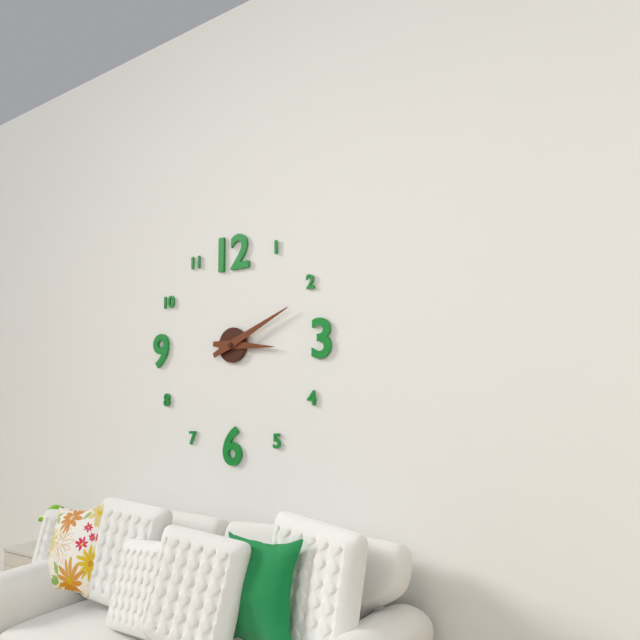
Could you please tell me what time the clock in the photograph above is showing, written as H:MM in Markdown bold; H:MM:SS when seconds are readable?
**3:11**
